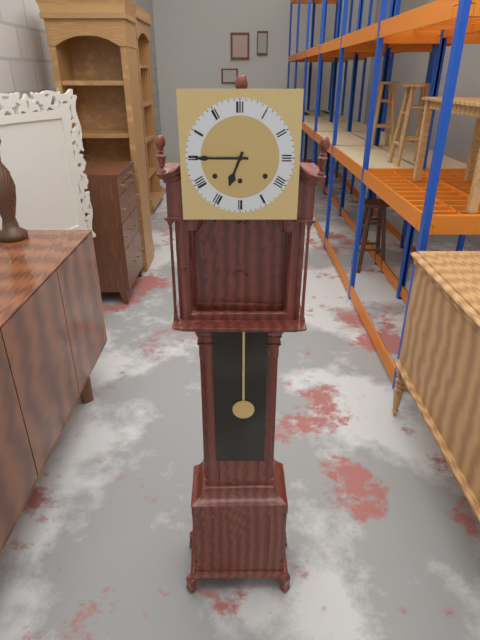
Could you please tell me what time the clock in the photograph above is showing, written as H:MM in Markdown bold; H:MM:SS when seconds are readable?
**6:45**
